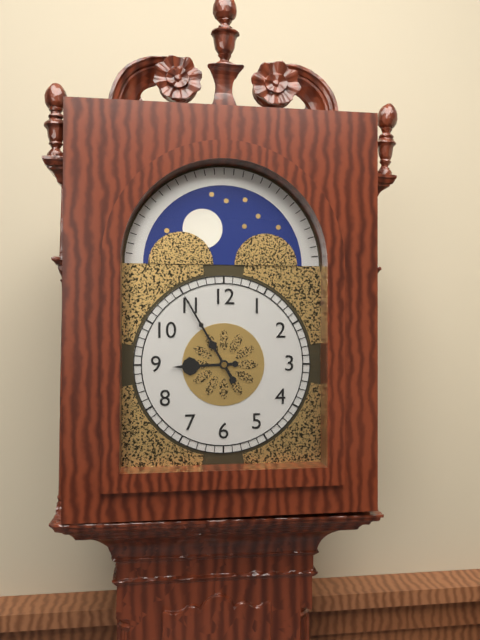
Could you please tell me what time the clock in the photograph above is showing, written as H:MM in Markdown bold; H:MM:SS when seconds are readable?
**8:55**
